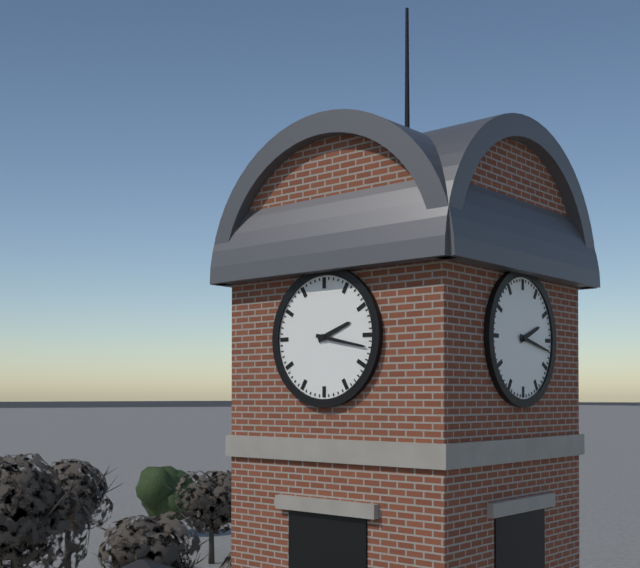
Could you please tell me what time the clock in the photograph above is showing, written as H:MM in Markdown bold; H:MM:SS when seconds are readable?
**2:17**
